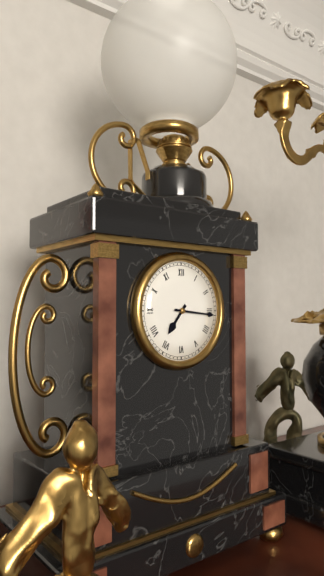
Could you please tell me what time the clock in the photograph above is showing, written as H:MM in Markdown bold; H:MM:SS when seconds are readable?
**7:16**
